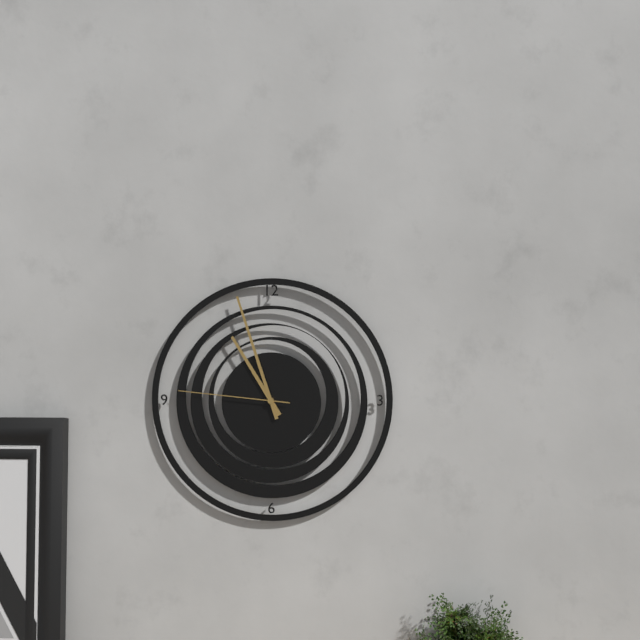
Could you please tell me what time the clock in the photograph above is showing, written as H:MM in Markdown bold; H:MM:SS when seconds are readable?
**10:57:46**
